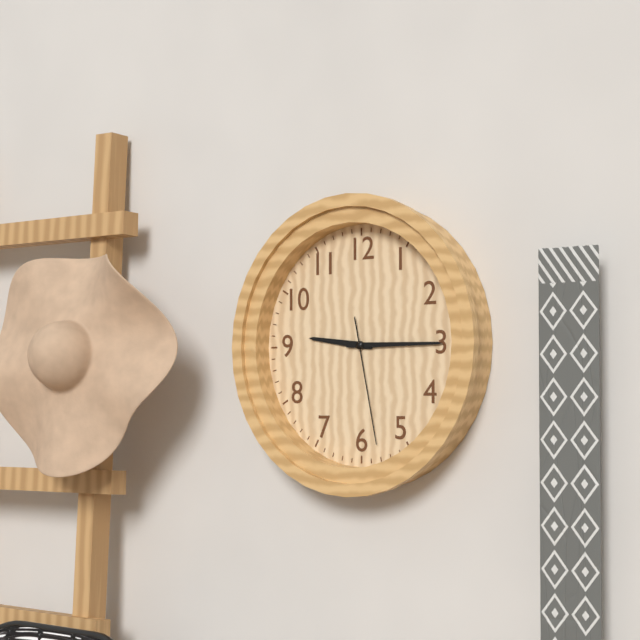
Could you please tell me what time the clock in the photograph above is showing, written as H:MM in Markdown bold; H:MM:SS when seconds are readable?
**9:15:28**
